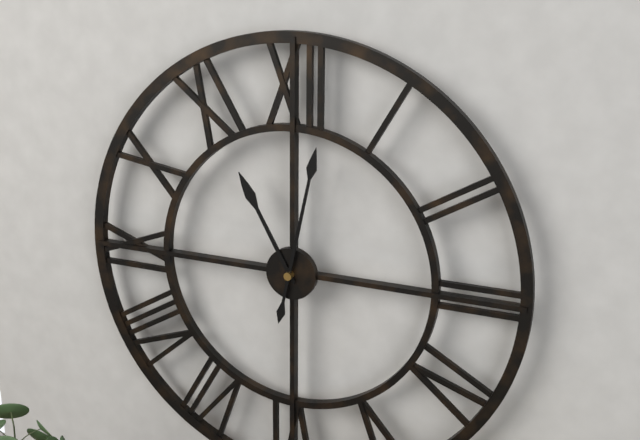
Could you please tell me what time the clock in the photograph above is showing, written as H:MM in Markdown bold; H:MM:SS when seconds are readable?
**11:02**
